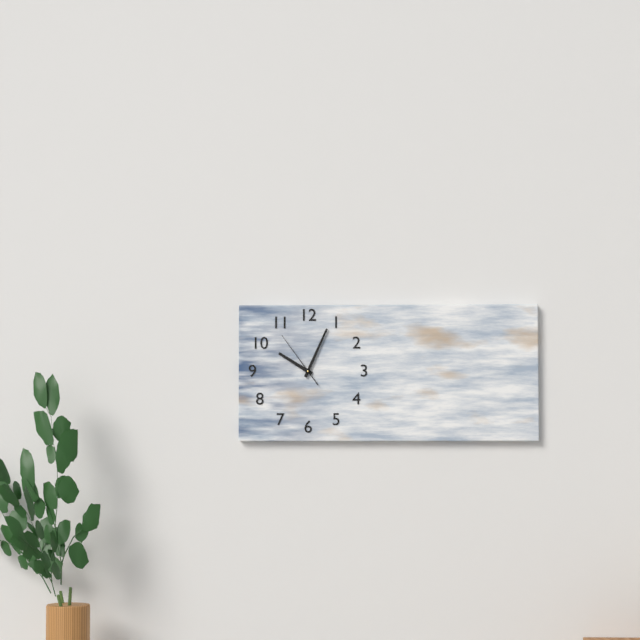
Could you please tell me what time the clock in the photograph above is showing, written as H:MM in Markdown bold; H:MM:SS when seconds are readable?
**10:04:54**
